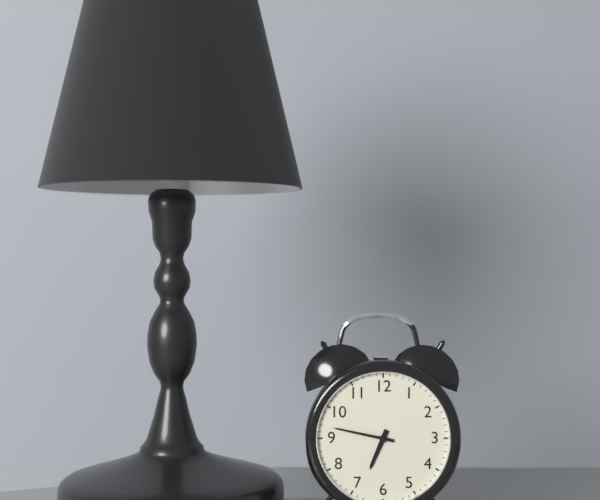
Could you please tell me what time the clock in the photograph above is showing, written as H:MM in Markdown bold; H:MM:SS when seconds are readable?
**6:47**
